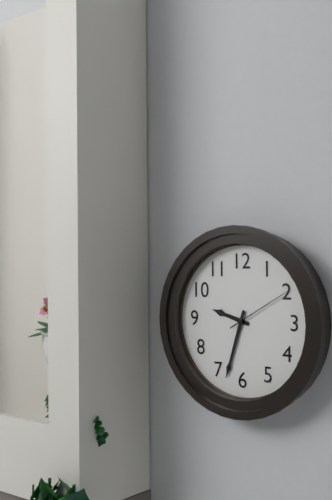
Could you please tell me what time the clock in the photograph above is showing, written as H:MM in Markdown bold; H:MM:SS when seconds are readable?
**9:33:10**
